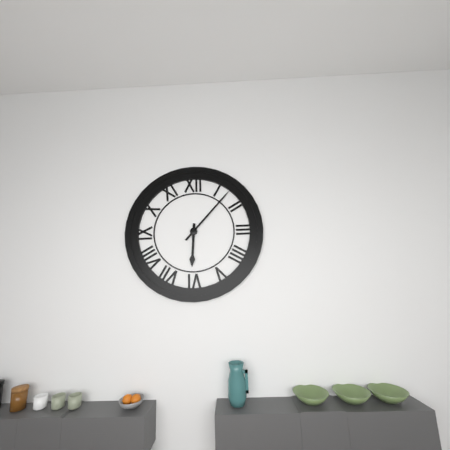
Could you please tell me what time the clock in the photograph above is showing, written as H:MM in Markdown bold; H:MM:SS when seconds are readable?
**6:07**
